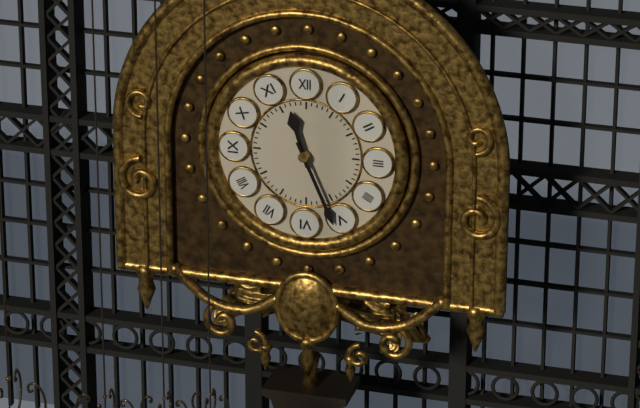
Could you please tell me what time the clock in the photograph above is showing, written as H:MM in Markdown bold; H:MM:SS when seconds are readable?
**11:26**
